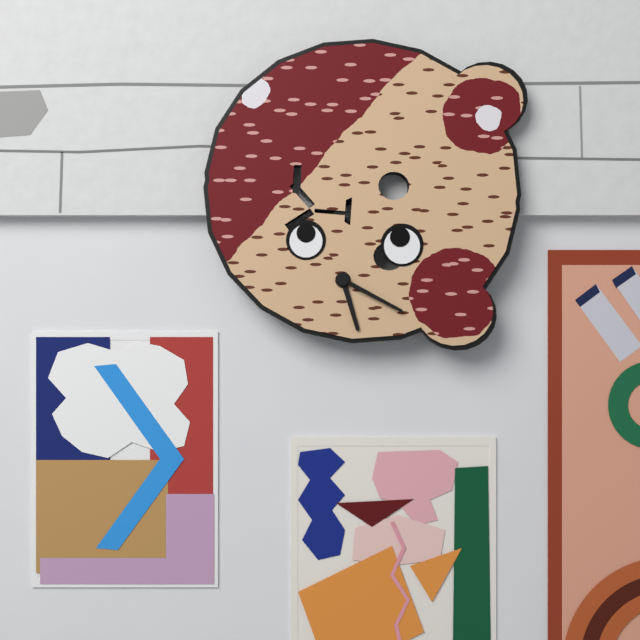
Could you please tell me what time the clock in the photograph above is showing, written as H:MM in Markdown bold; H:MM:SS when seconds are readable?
**5:19**
